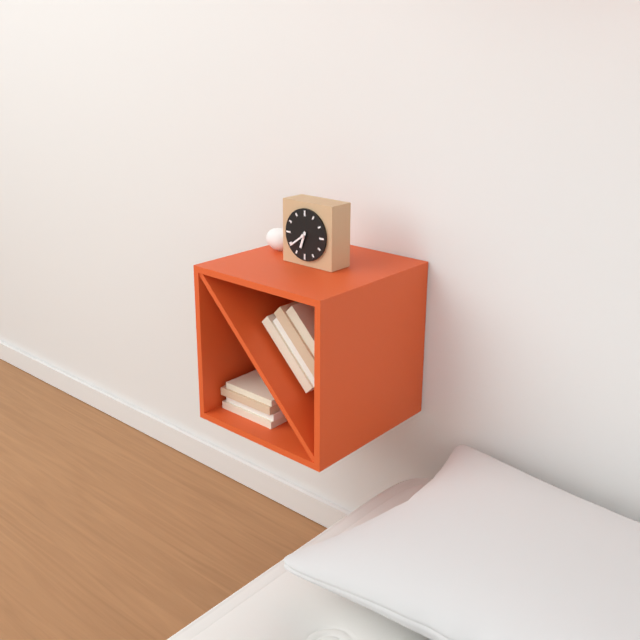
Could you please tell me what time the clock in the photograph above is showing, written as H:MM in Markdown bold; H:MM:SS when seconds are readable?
**6:39**
